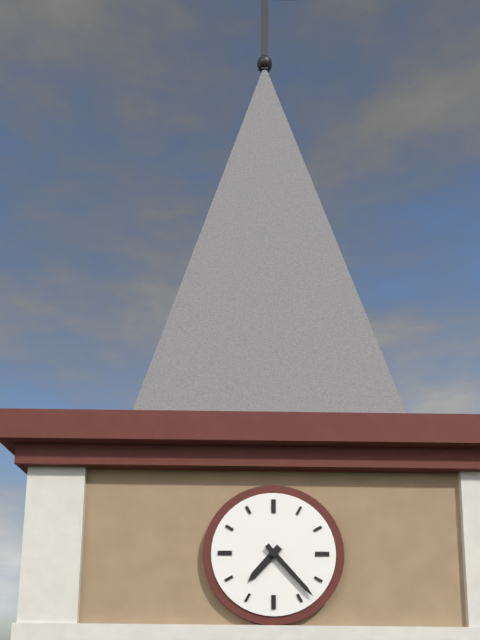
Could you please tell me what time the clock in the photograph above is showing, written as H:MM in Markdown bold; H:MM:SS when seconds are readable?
**7:23**
